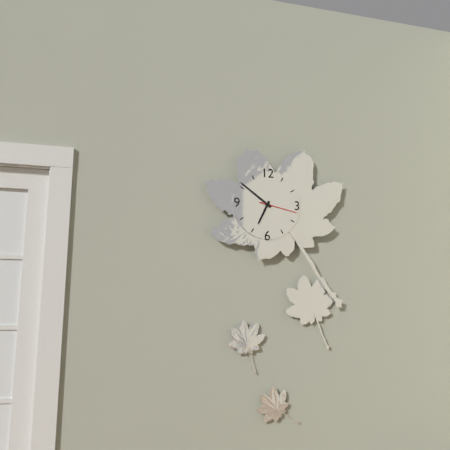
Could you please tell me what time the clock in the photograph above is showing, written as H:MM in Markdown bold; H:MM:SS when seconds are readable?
**6:51**
